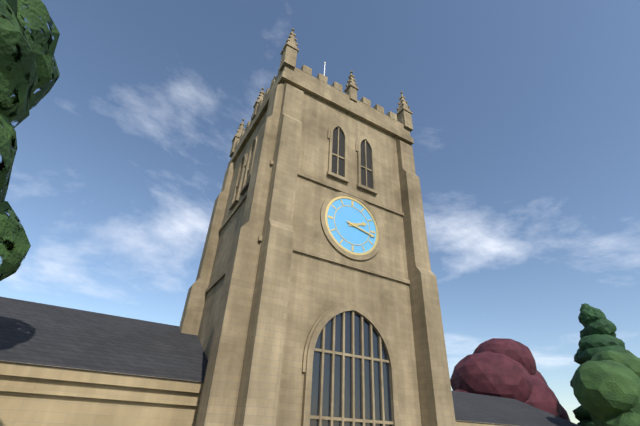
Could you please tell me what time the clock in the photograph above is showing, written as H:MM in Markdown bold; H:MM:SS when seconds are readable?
**2:17**
